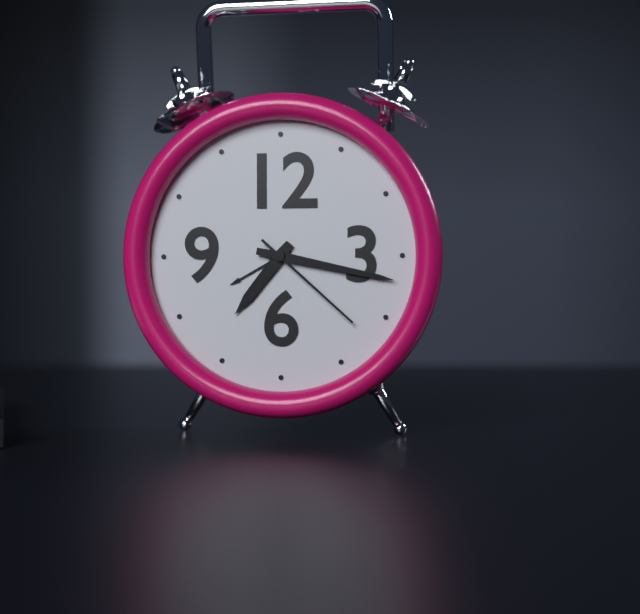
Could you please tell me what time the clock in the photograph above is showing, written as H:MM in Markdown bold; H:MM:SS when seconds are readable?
**7:17:22**
